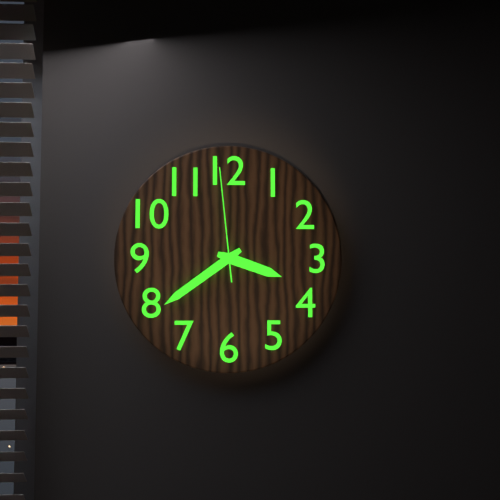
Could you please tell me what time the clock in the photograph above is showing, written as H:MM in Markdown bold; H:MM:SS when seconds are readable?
**3:39:59**
